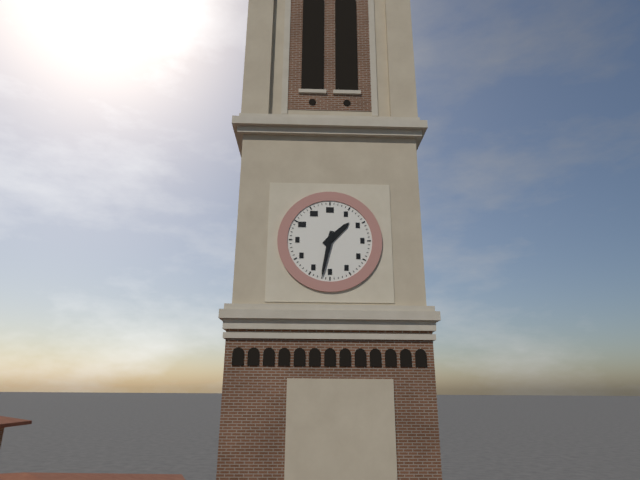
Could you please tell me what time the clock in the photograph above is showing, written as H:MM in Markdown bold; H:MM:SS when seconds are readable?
**1:32**
